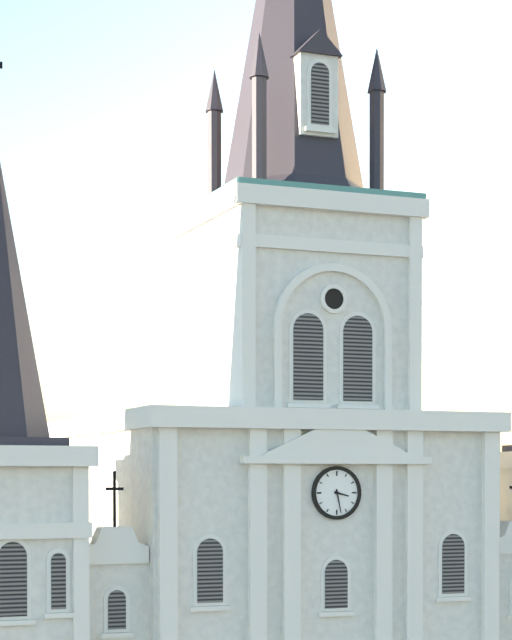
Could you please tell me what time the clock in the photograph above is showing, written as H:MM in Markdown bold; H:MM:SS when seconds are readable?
**3:28**
